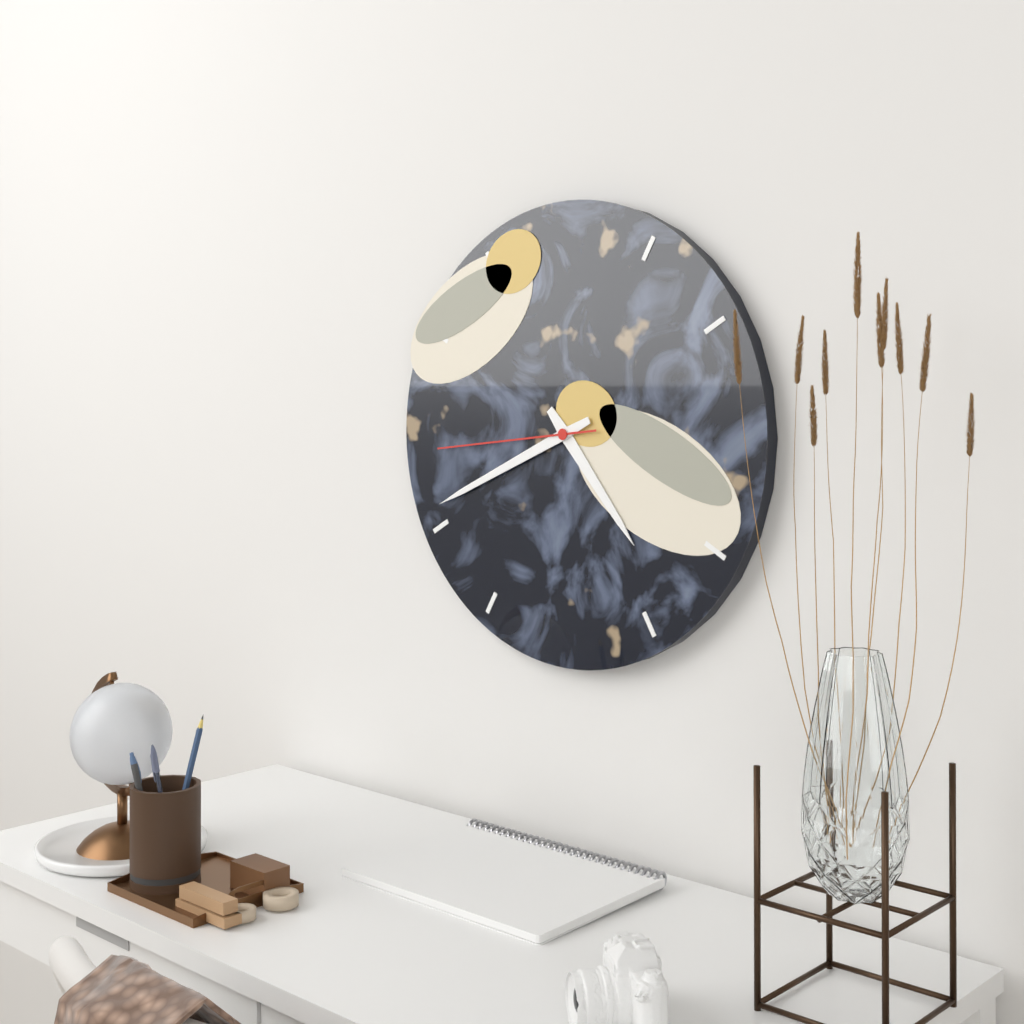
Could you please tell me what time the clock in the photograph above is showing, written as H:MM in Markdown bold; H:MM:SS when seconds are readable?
**4:41:44**
